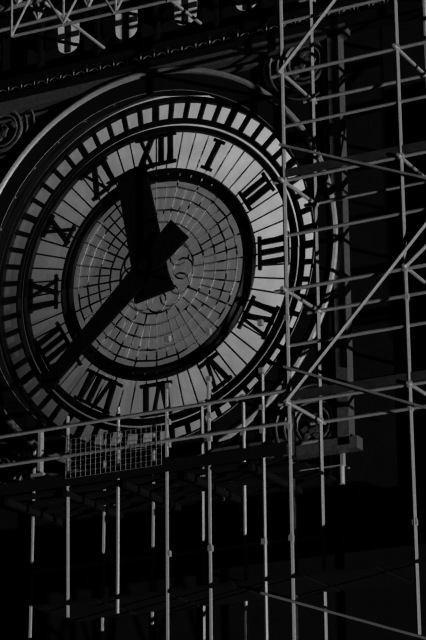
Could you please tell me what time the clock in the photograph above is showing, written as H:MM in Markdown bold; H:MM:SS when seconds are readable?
**11:38**
